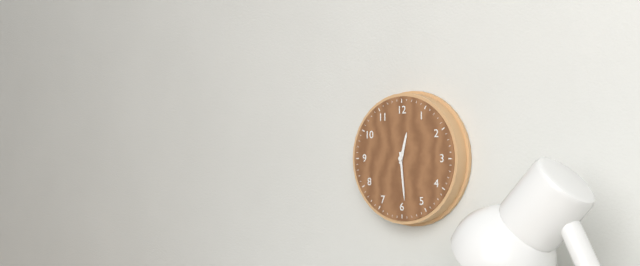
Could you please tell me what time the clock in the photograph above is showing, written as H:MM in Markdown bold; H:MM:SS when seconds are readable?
**12:29**
